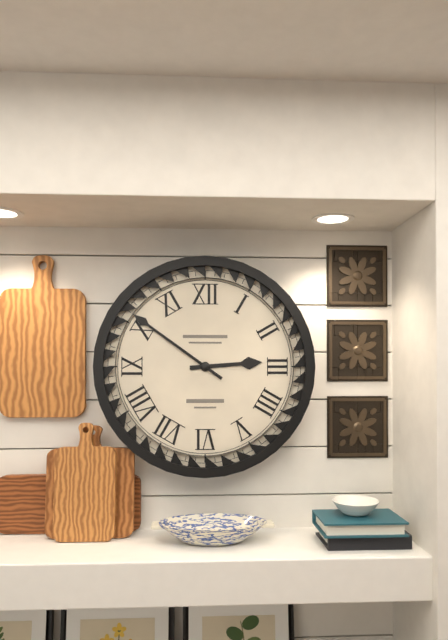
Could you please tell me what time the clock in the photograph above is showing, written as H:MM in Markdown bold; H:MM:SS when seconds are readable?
**2:51**
